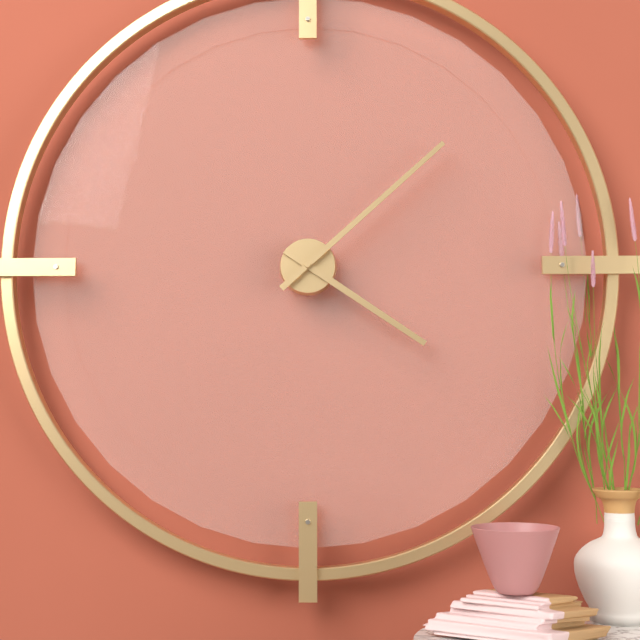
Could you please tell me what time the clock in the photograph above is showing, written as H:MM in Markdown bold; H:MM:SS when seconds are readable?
**4:08**
